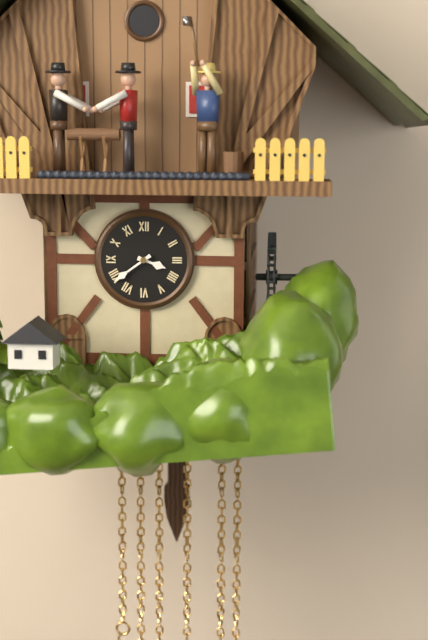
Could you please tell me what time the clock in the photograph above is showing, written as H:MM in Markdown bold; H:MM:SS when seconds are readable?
**3:39**
